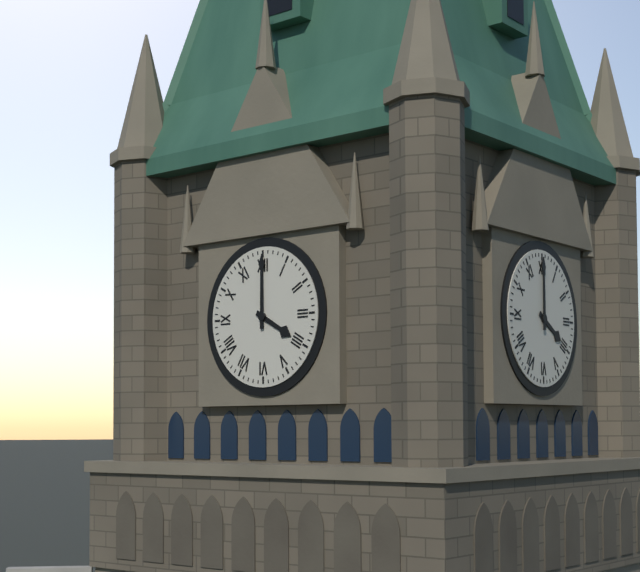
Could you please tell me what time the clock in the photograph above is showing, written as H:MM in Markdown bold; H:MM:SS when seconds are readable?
**4:00**
